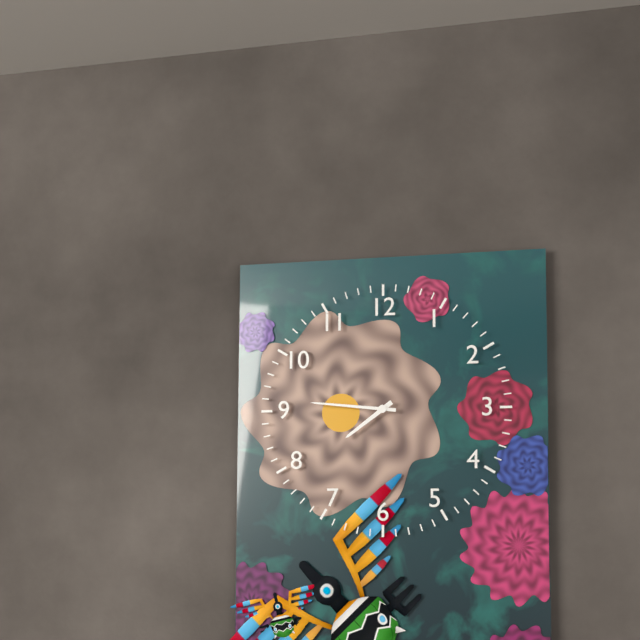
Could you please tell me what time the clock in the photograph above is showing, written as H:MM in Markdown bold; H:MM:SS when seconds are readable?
**7:46**
